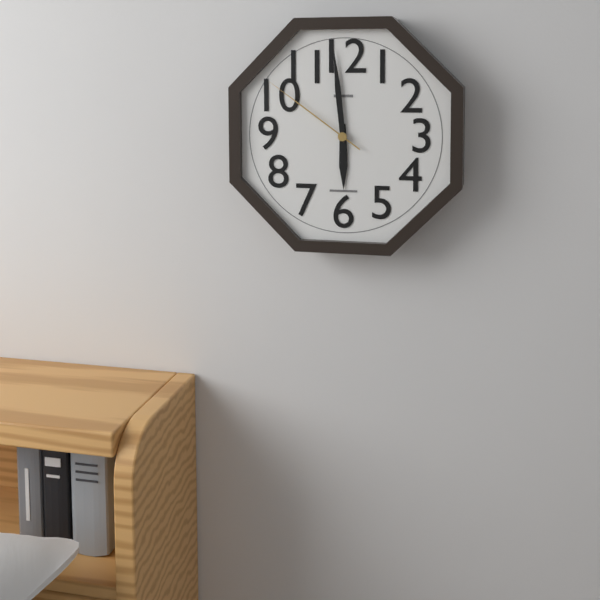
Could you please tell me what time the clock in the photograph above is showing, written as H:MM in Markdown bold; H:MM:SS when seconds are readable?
**5:59:51**
